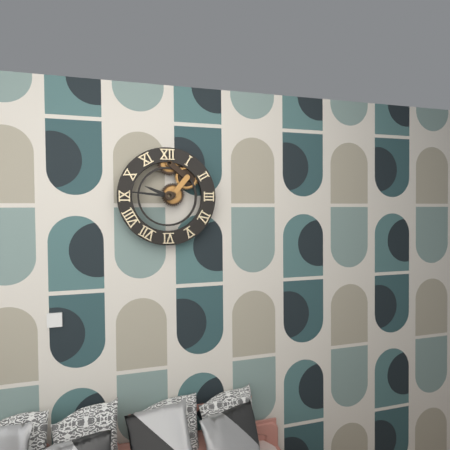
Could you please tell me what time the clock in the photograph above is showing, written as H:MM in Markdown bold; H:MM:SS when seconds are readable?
**9:46**
